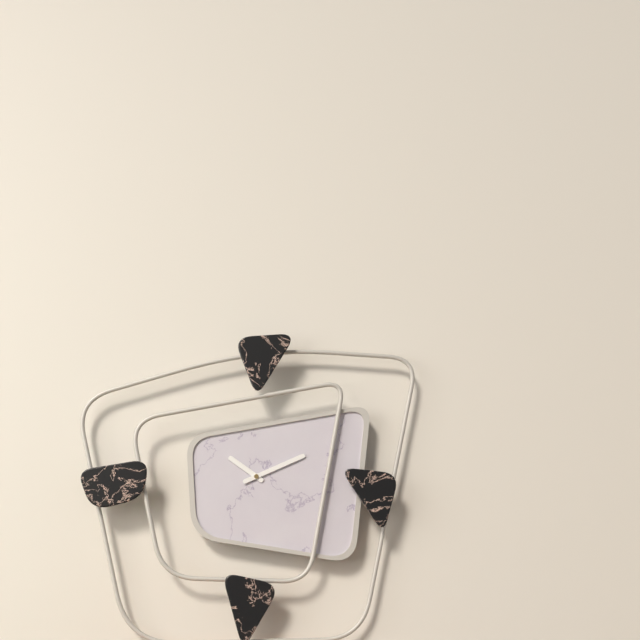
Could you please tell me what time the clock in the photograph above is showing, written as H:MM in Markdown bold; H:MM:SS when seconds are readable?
**10:11**
